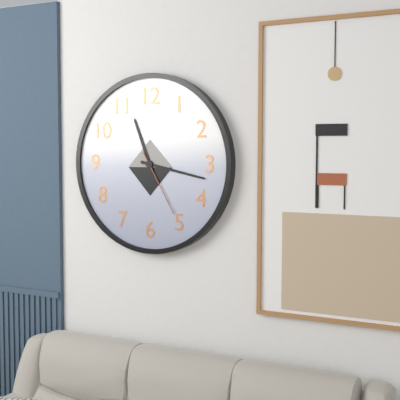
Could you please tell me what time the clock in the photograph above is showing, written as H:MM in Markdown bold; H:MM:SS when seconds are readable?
**11:17:25**
